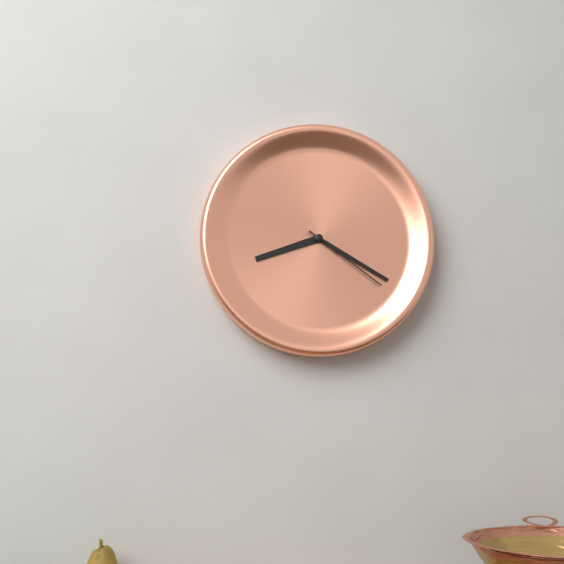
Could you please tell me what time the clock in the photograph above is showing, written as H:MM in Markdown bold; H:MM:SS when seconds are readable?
**8:20:21**
